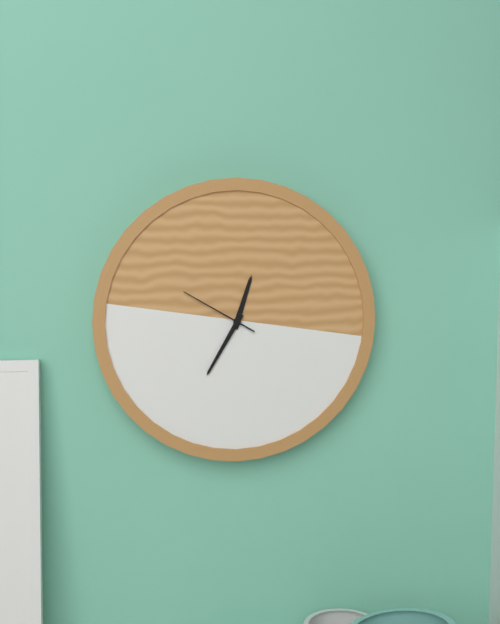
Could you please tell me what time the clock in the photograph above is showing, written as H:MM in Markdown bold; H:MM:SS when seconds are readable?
**12:35:50**
